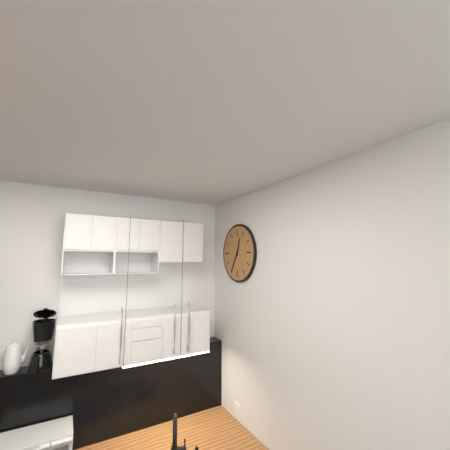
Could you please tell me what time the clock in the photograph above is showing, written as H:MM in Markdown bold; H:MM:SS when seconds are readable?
**12:35**
